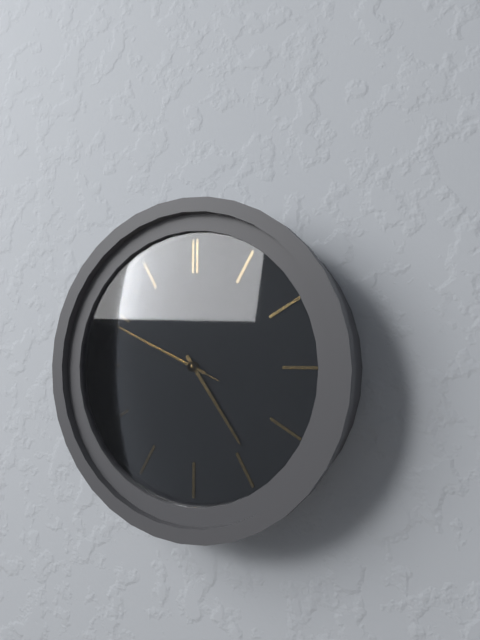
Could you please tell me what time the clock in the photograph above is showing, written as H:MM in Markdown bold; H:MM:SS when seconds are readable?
**4:49:49**
